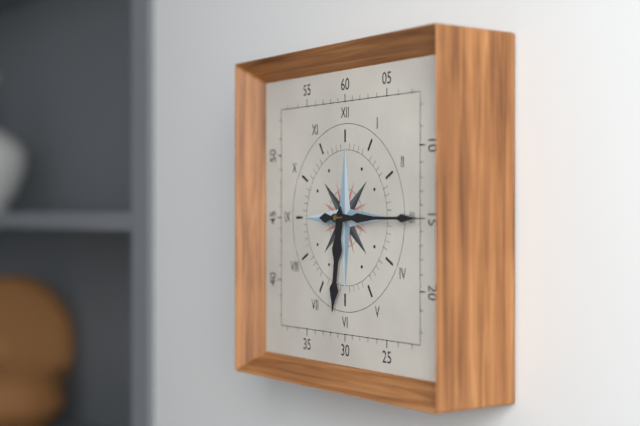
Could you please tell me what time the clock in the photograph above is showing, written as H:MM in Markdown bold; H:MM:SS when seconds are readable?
**6:15**
